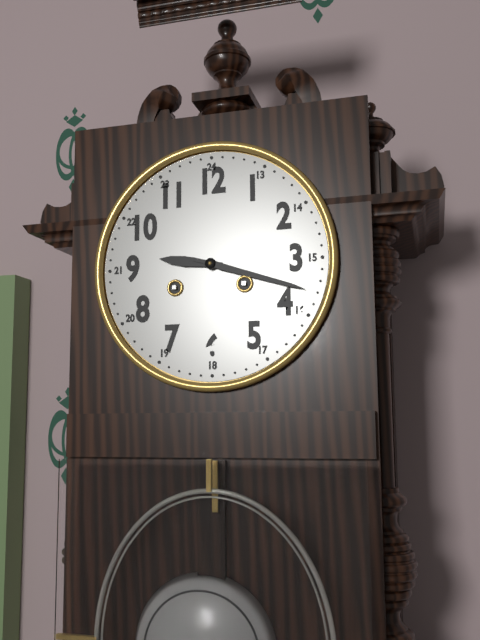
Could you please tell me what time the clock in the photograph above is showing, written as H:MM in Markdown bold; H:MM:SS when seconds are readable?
**9:18**
